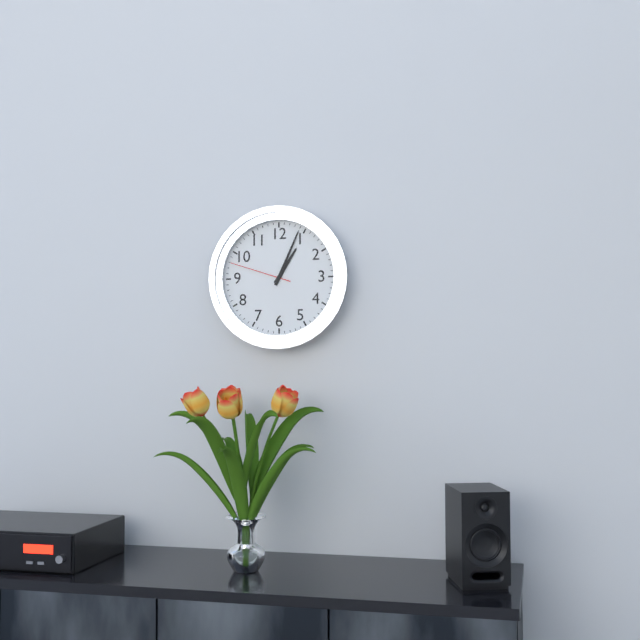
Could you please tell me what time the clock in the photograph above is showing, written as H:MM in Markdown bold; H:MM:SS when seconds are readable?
**1:04:48**
